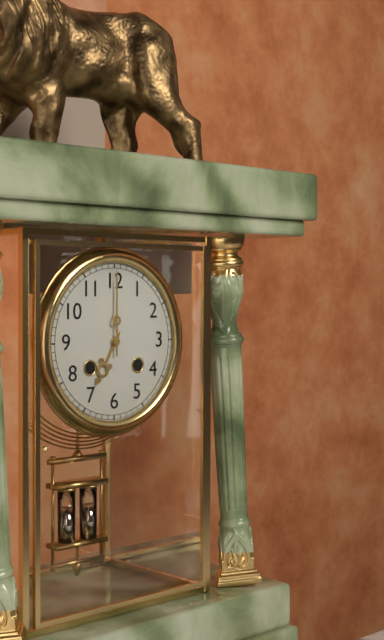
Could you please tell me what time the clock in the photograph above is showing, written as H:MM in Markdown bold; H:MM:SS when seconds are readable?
**7:00**
